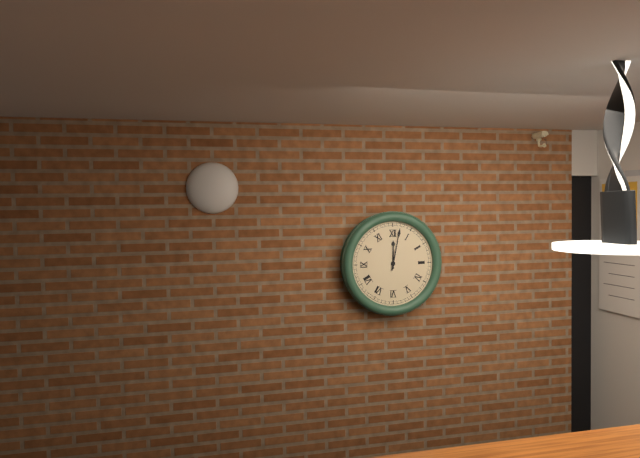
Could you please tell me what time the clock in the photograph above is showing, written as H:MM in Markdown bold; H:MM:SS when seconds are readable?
**12:02**
